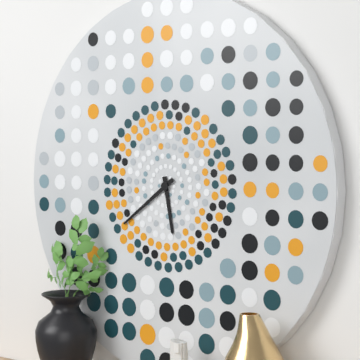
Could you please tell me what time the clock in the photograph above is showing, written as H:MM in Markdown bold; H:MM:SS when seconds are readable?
**5:39**
